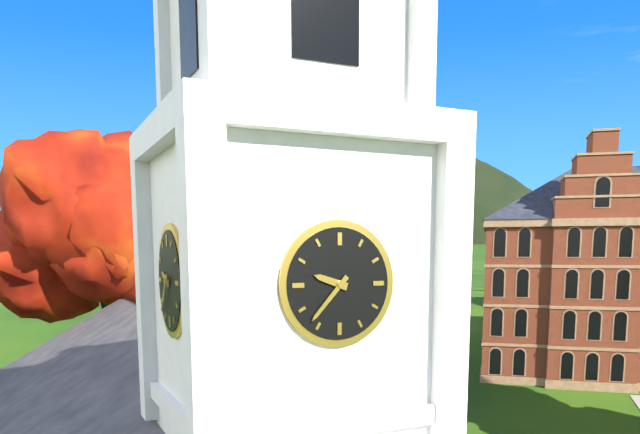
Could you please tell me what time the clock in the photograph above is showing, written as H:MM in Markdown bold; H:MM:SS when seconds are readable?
**9:37**
